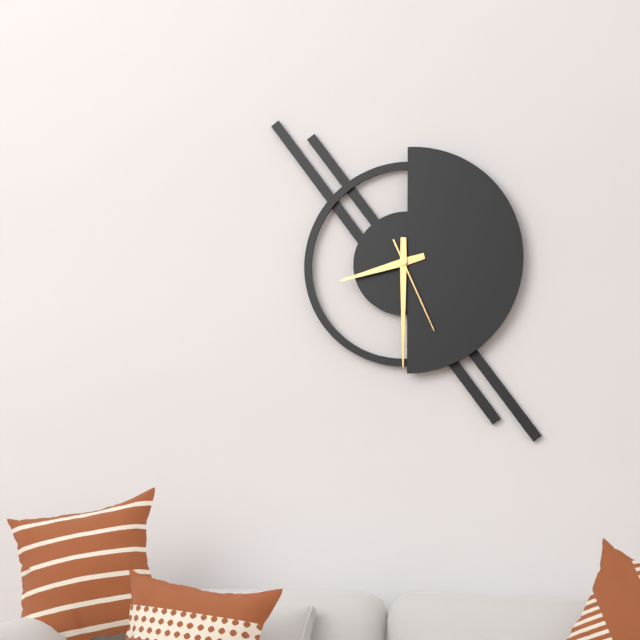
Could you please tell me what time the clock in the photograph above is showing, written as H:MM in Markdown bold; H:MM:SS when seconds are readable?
**8:30:26**
